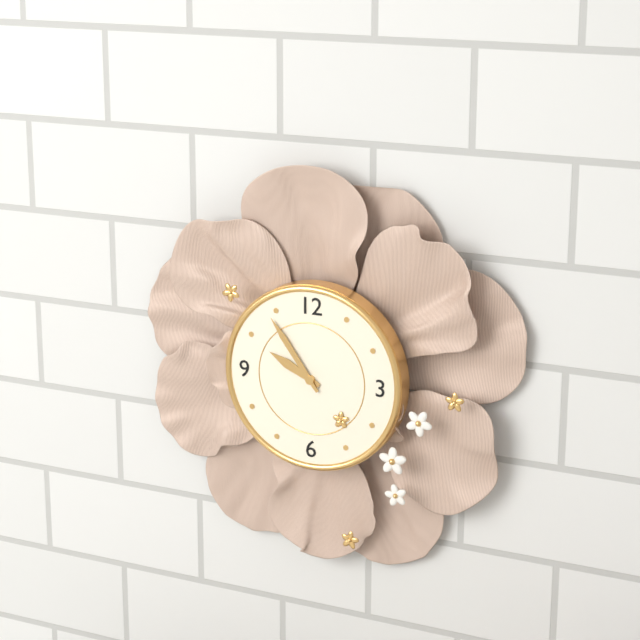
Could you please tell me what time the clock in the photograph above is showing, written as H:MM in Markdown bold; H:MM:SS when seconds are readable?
**9:54**
